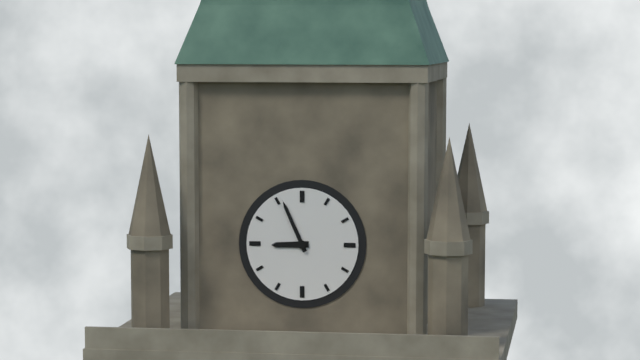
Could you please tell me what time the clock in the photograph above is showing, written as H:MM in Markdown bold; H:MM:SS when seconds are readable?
**8:56**
